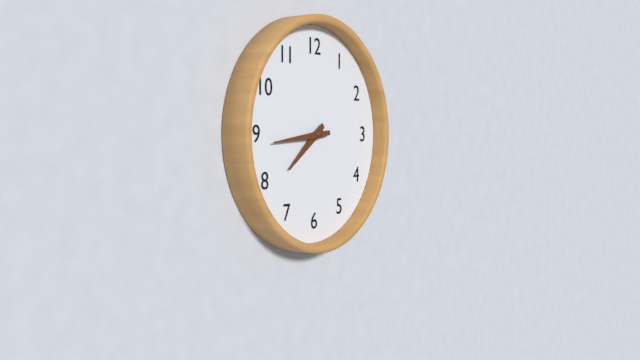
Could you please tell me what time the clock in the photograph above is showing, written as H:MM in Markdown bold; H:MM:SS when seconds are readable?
**7:44**
